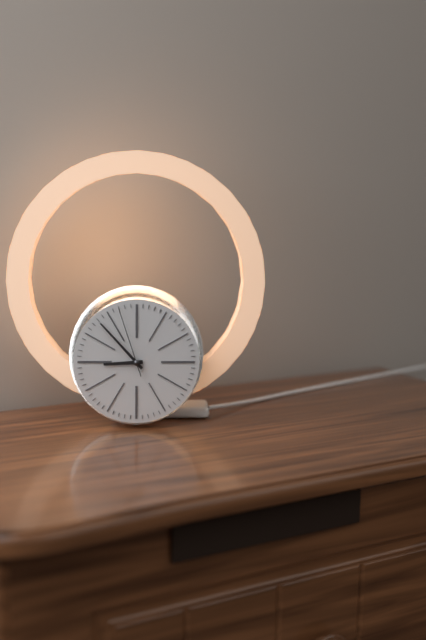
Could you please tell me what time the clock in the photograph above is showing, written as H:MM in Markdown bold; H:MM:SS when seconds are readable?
**8:53:57**
